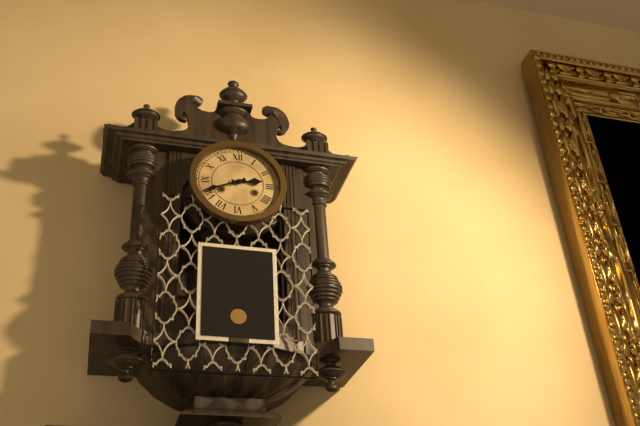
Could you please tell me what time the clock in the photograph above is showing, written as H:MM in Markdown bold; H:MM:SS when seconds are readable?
**2:41**
